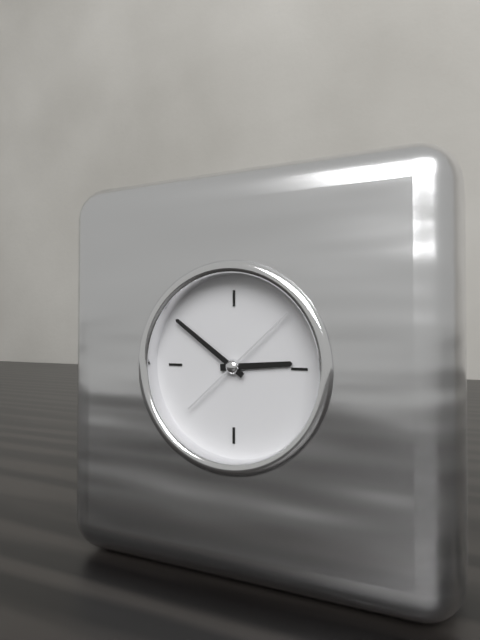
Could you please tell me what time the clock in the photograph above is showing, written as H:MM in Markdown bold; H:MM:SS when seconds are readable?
**2:51:08**
